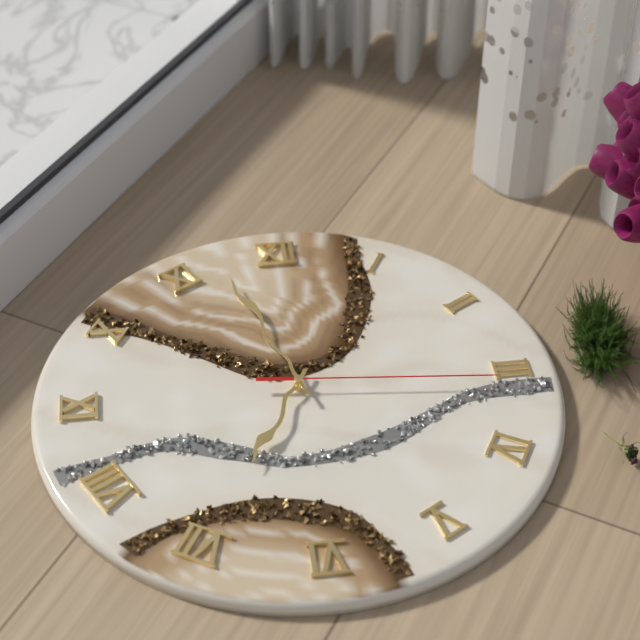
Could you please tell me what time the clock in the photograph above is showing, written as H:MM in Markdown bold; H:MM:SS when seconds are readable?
**6:57:16**
